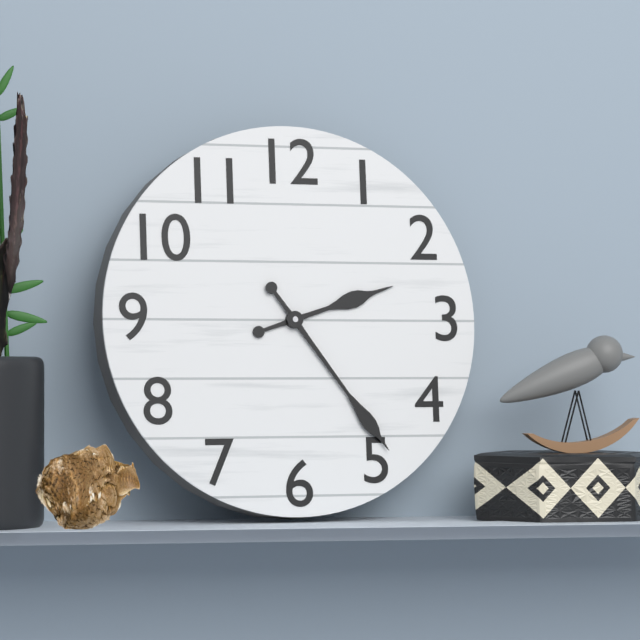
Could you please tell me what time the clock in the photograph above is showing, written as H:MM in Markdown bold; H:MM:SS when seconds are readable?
**2:24**
